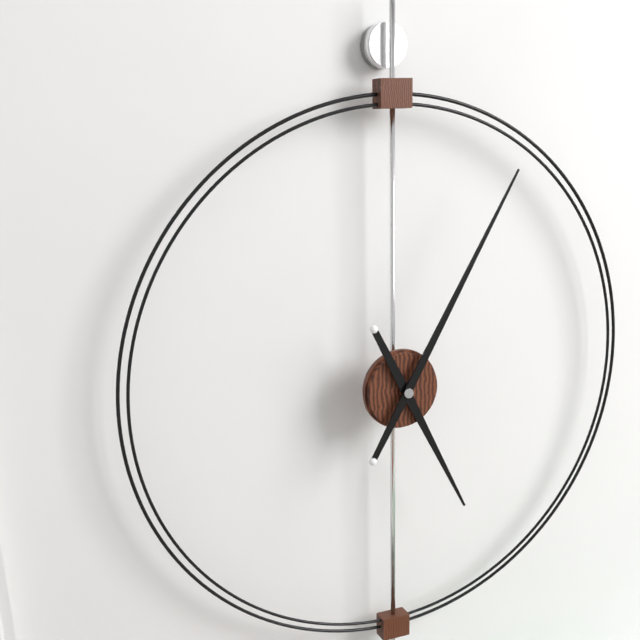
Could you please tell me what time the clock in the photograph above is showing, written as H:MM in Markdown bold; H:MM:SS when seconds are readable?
**5:05**
